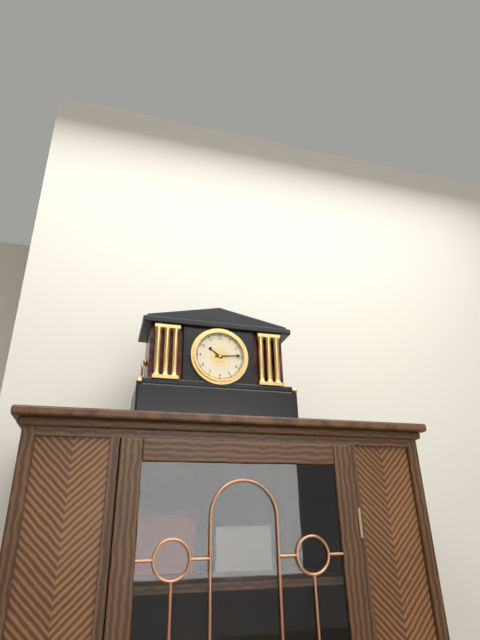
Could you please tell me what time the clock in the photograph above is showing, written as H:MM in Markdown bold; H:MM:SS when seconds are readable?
**10:14**
